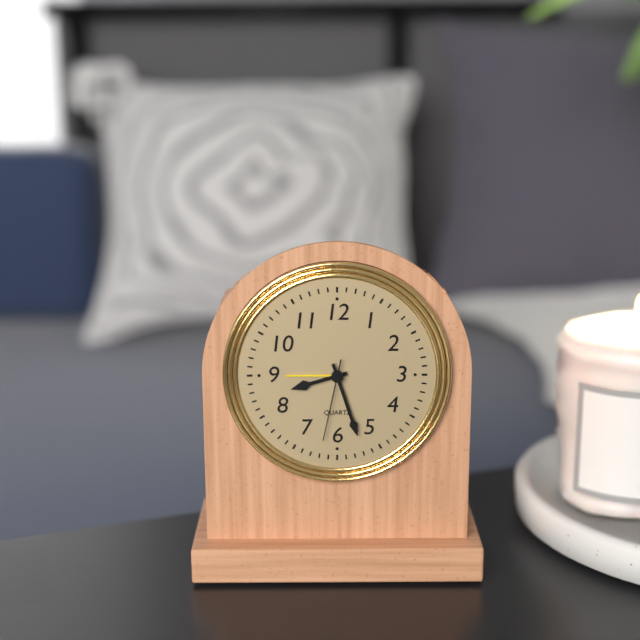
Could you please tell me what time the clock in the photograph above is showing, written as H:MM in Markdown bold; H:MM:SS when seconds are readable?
**8:27:32**
